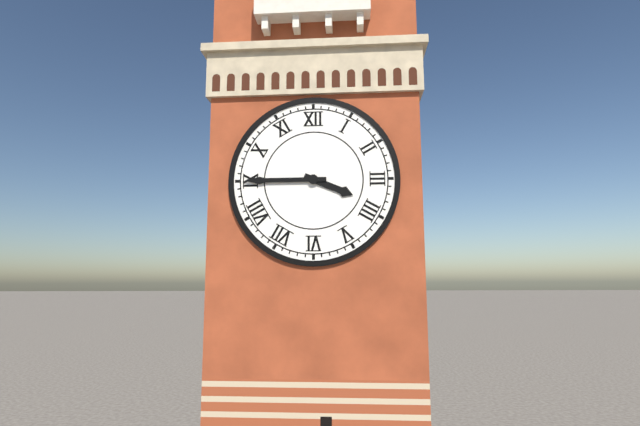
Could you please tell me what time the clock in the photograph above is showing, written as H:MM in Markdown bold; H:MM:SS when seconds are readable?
**3:45**
